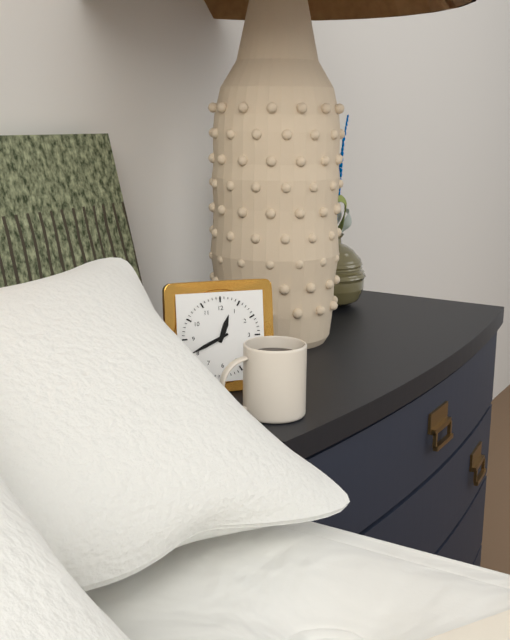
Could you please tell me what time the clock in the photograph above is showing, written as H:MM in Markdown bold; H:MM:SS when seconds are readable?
**12:41**
